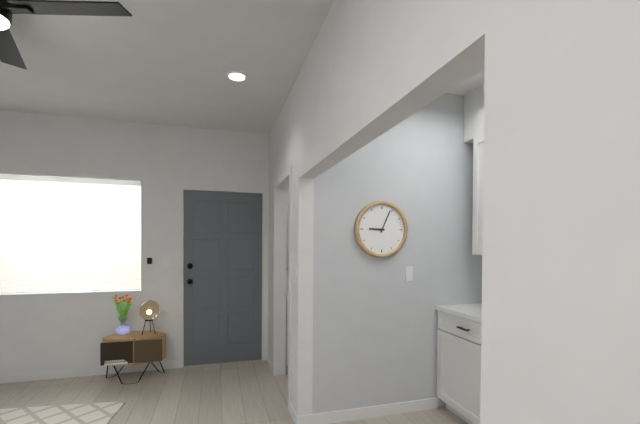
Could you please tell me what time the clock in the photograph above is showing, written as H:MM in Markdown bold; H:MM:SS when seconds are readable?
**9:04**
